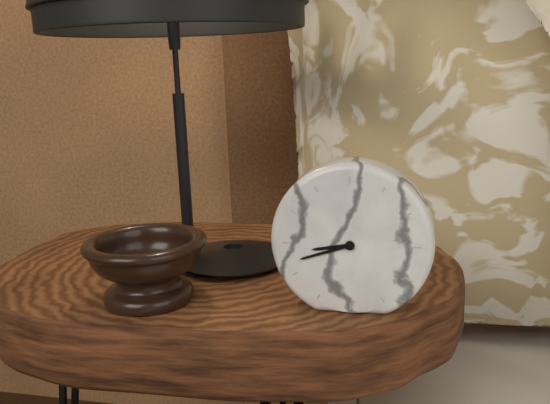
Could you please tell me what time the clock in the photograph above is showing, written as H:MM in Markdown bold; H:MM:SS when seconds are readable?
**8:42**
